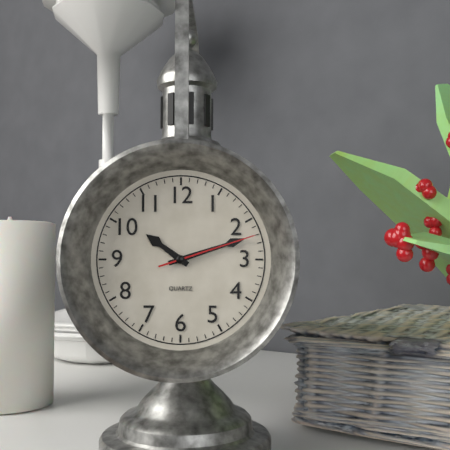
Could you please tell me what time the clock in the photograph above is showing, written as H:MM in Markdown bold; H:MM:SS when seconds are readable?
**10:12:12**
